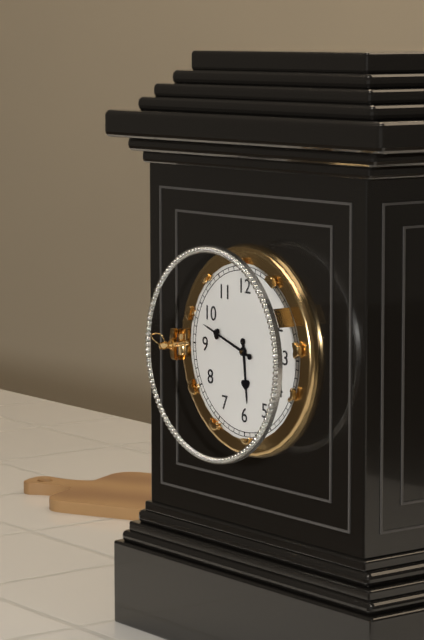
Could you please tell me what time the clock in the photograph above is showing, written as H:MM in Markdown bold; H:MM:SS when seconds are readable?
**5:48**
